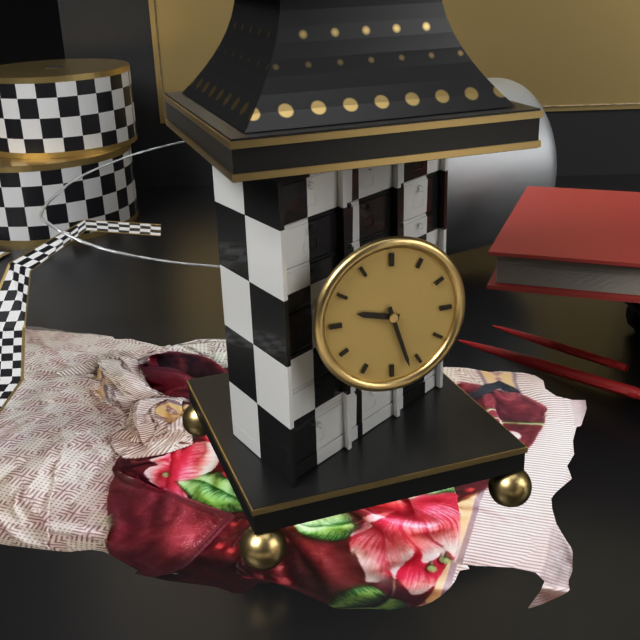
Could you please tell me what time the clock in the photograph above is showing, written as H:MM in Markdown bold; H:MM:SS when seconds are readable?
**9:27**
